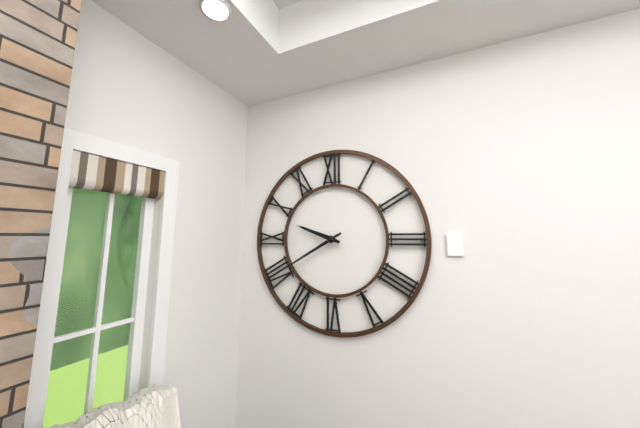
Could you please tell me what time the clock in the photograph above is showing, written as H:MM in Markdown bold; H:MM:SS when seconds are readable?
**9:40**
